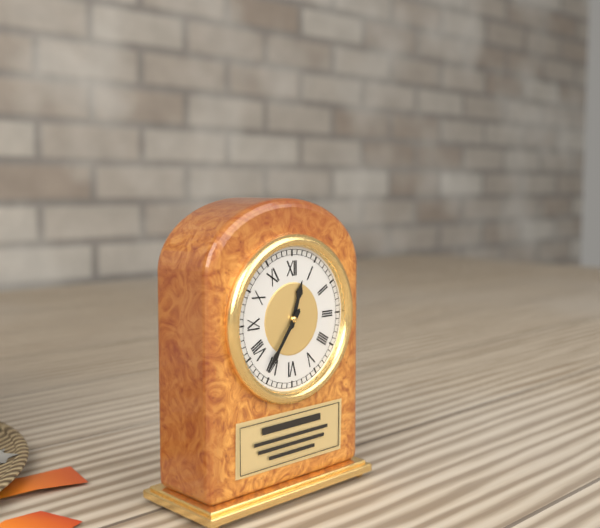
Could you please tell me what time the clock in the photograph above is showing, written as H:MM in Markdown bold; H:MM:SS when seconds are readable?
**12:36**
